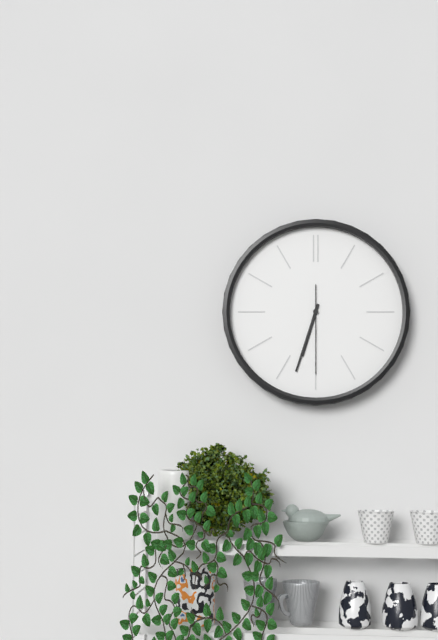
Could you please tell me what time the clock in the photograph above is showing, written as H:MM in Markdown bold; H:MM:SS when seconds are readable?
**6:33:30**
